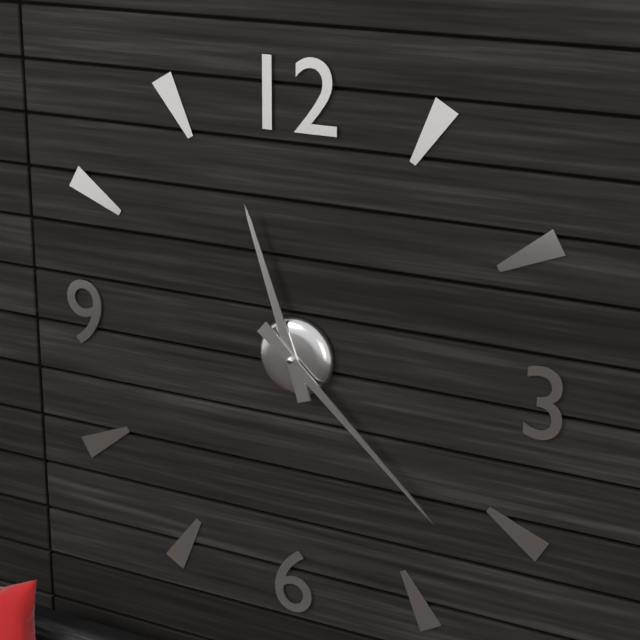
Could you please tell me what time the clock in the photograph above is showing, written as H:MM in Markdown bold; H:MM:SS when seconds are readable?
**11:22**
